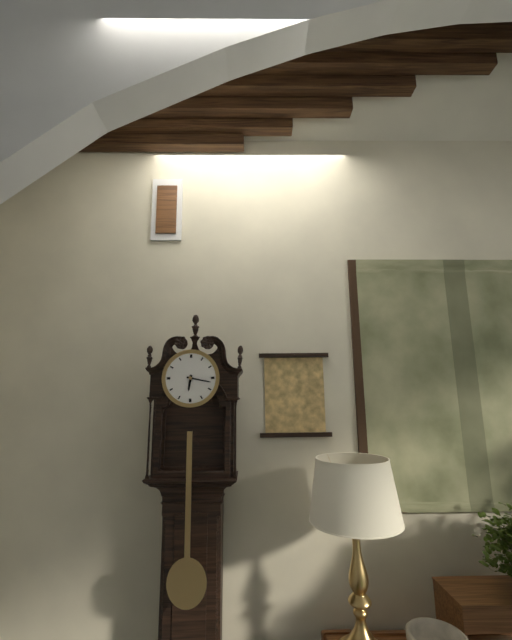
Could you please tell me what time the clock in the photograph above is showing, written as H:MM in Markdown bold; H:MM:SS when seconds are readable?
**6:17**
